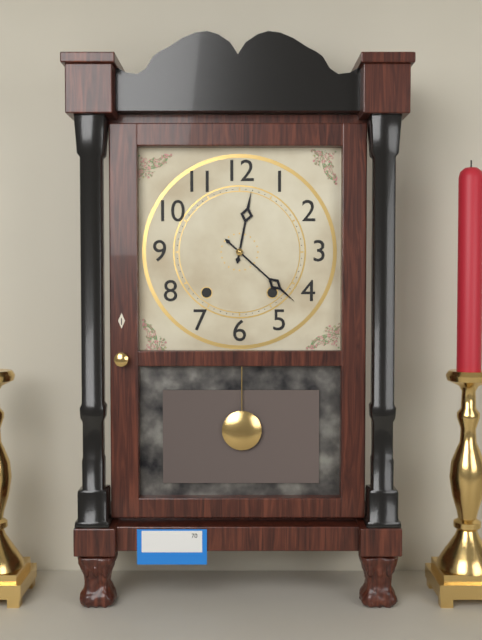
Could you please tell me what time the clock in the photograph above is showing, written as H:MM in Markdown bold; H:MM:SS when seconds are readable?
**12:22**
